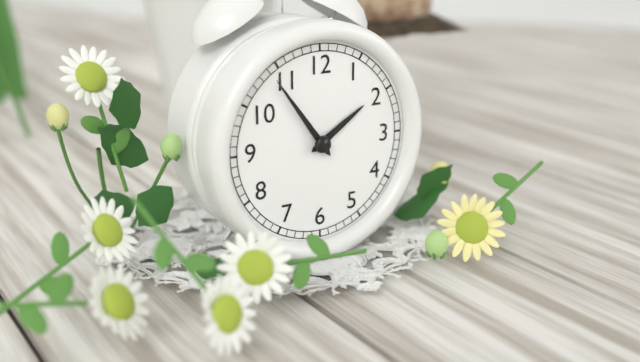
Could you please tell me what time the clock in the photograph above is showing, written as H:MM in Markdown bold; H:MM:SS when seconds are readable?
**1:54**
